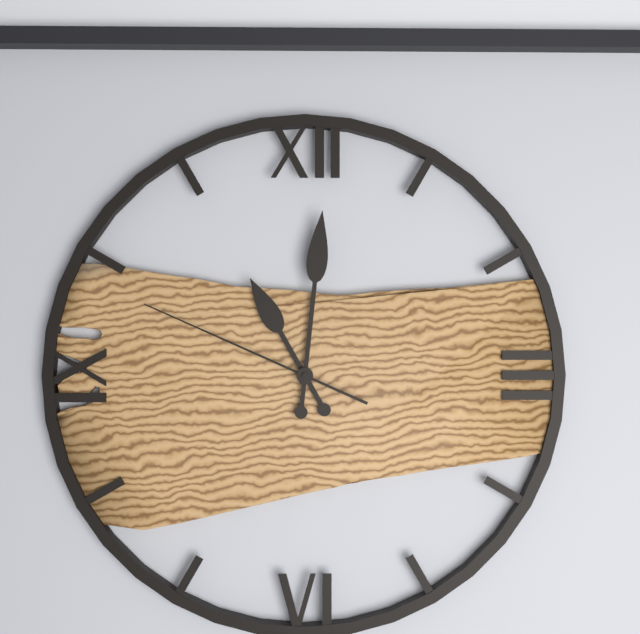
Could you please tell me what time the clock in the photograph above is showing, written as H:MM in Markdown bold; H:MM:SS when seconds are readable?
**11:01:49**
